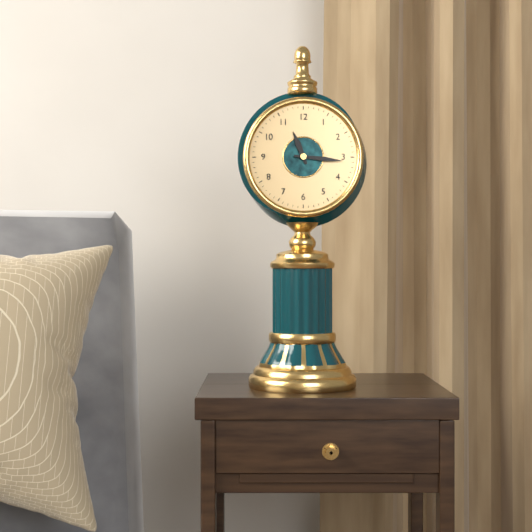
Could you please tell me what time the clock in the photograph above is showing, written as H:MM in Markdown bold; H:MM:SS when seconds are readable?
**11:16**
